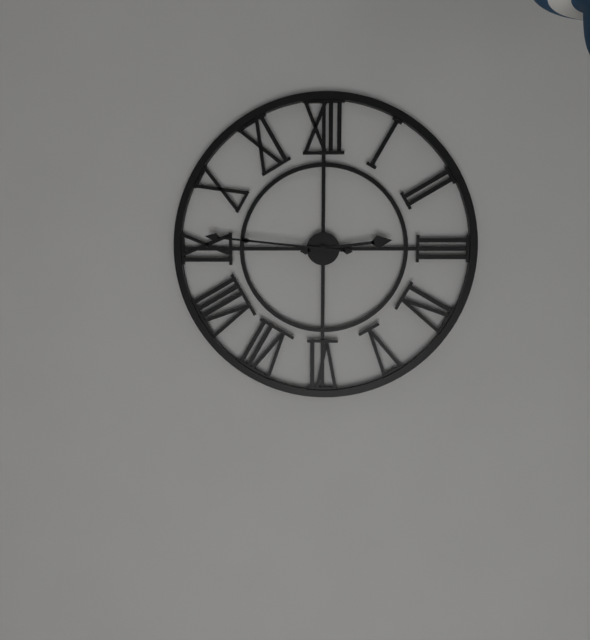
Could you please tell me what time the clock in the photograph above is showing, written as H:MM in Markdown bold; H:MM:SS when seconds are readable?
**2:46**
